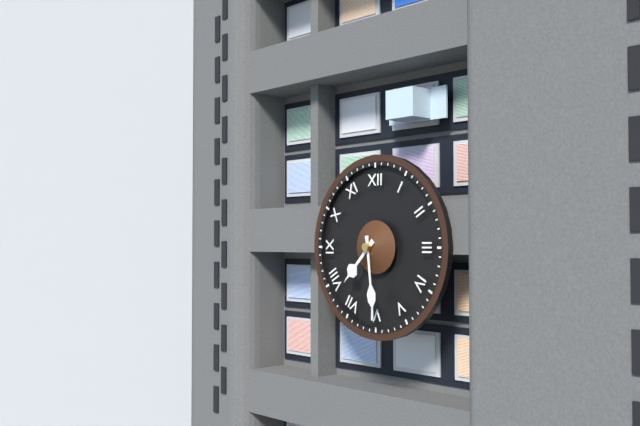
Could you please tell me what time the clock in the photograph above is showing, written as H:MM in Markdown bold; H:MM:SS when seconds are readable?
**7:29**
